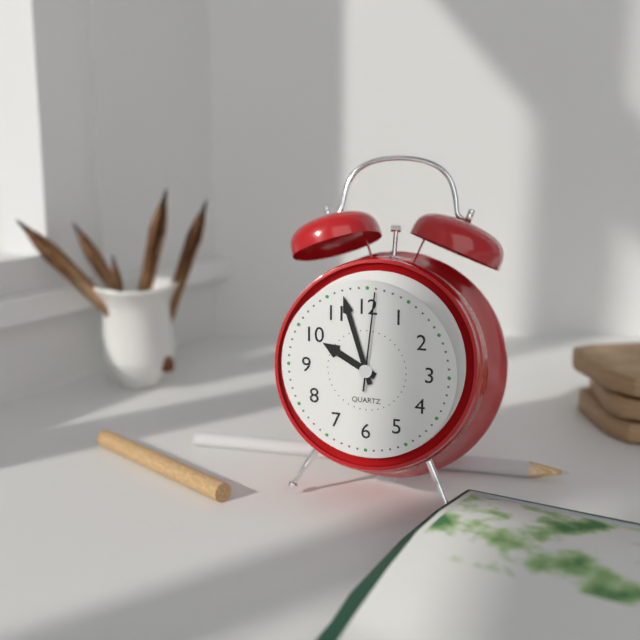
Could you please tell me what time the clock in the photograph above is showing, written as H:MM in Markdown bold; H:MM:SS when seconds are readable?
**9:57:01**
